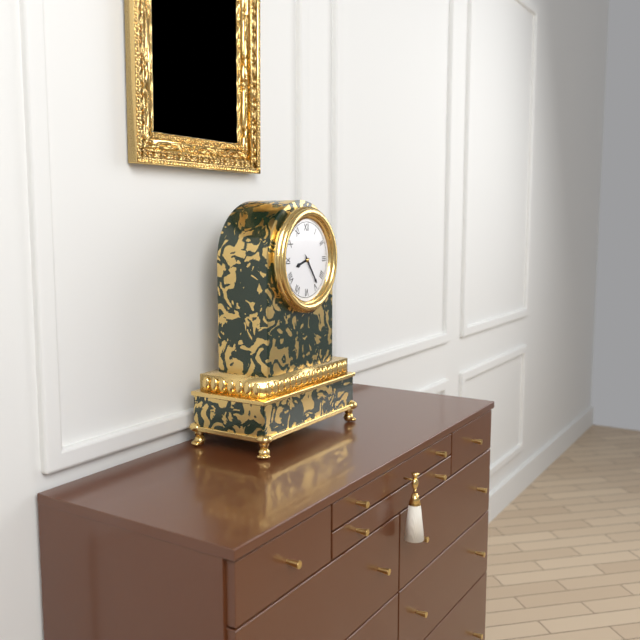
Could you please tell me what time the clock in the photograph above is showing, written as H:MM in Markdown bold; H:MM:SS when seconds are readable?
**8:24**
